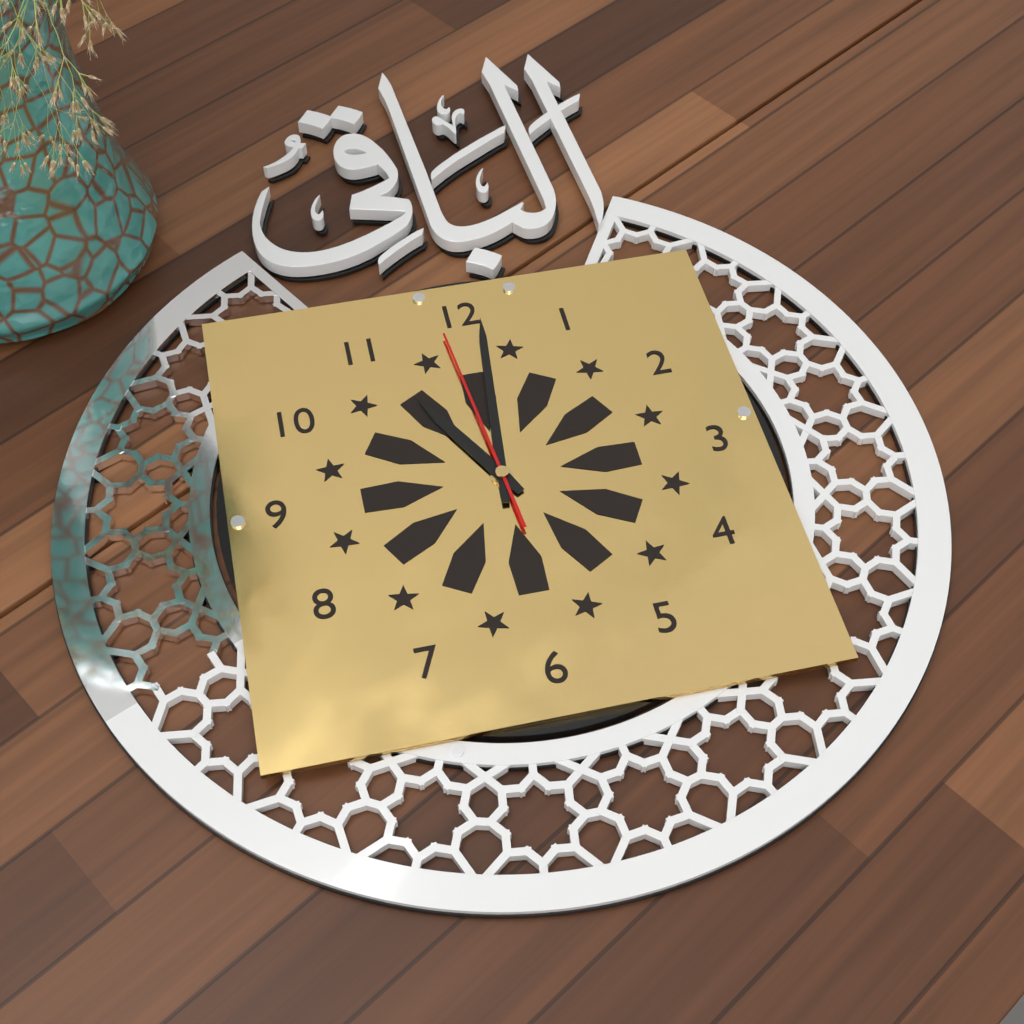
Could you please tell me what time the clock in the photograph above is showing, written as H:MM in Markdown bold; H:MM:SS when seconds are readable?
**11:01:59**
